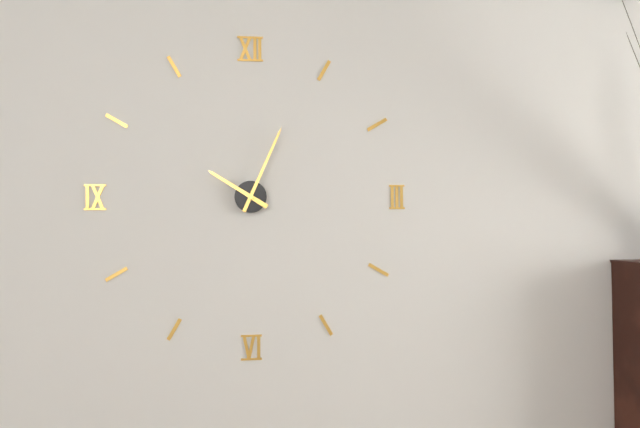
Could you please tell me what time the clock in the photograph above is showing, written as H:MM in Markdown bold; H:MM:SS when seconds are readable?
**10:04**
